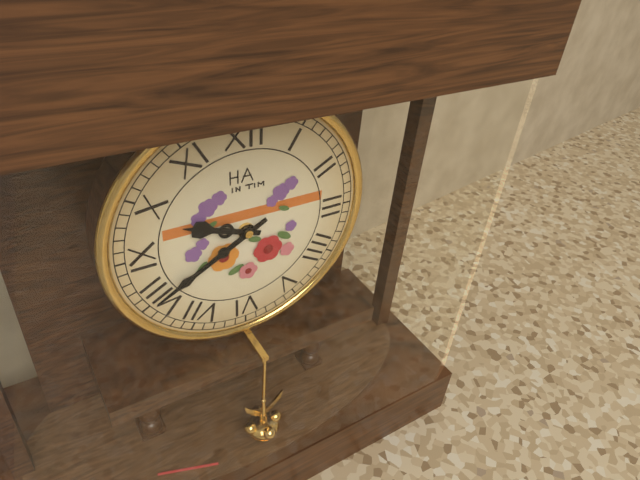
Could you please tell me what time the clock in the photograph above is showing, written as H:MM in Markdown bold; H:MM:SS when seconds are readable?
**9:40**
